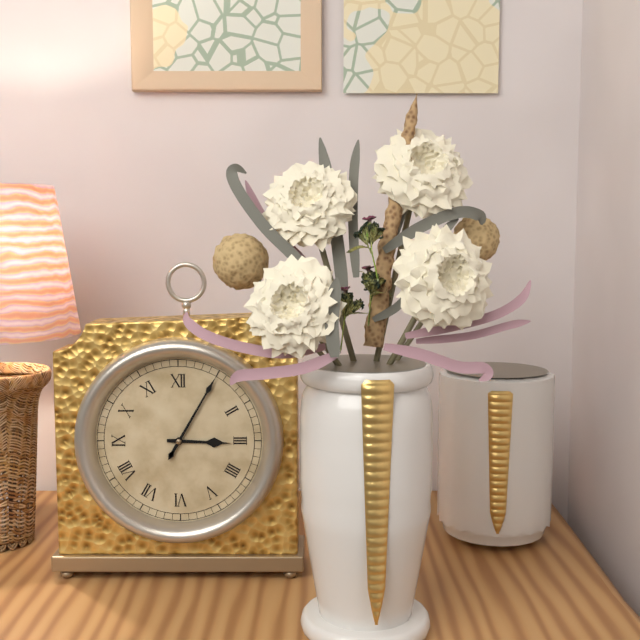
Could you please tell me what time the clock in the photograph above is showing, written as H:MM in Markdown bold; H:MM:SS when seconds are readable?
**3:05**
